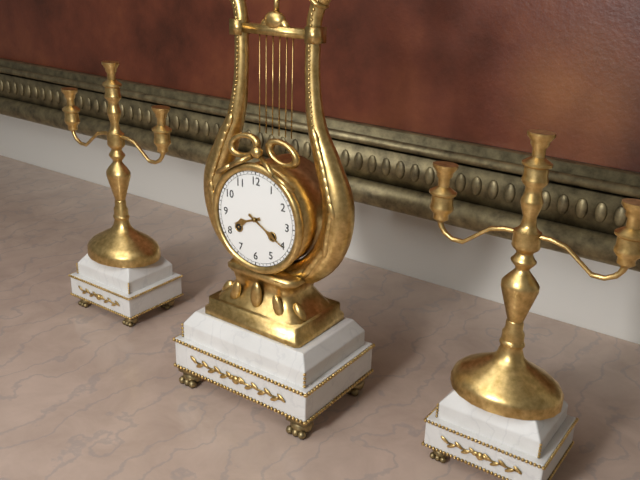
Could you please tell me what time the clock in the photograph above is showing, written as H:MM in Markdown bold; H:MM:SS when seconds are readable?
**8:20**
